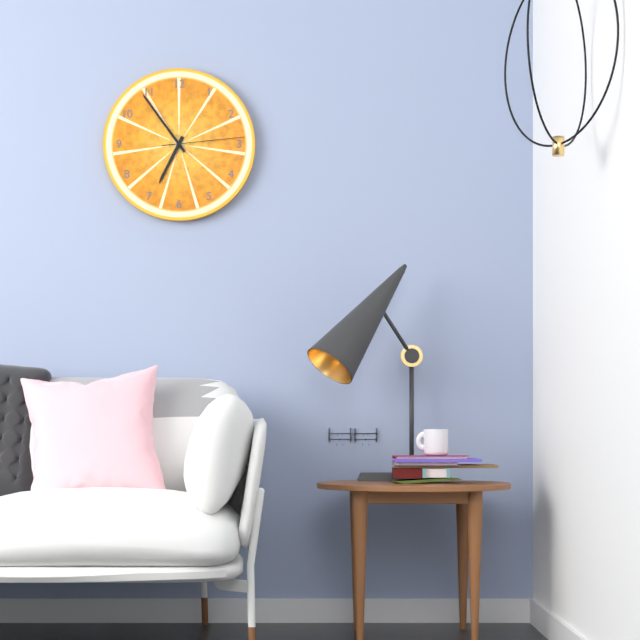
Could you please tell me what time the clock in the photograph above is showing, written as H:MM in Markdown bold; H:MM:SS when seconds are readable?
**6:54:14**
